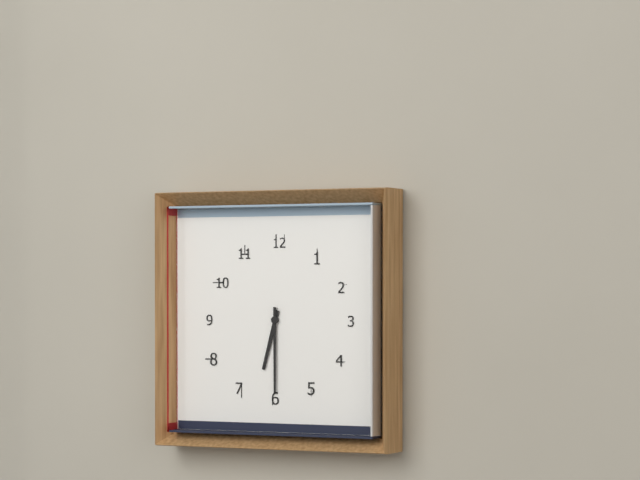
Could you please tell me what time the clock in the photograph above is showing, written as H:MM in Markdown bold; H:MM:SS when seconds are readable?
**6:30**
